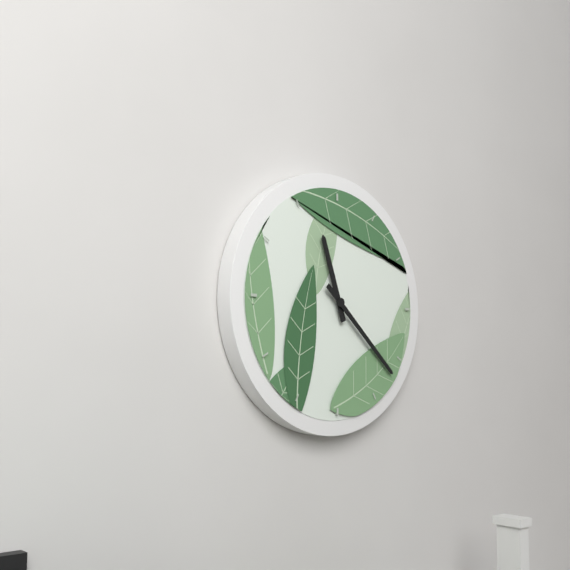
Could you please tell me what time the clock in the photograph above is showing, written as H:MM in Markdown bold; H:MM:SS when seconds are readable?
**11:22**
